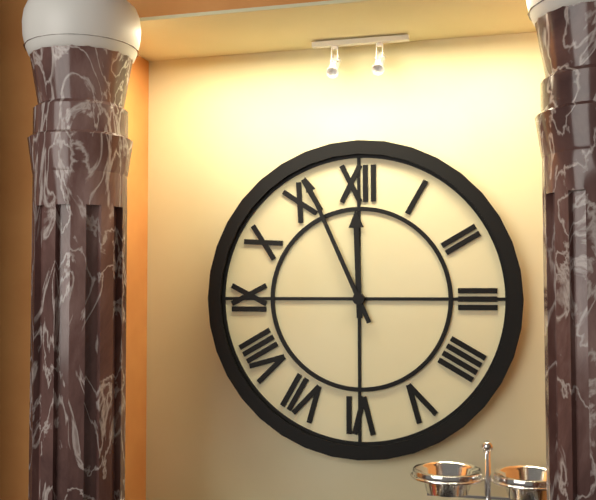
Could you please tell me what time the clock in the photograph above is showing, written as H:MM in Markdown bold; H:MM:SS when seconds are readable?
**11:56**
